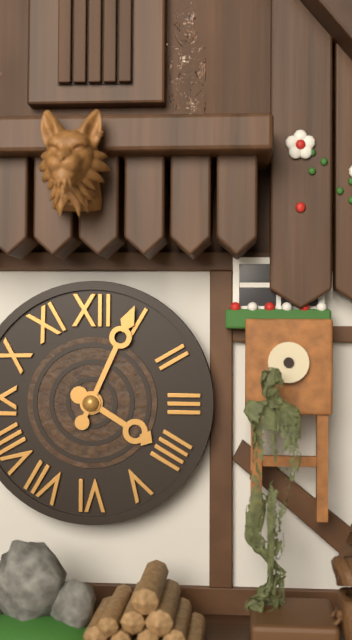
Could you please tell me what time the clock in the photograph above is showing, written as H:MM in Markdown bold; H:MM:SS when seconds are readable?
**4:04**
